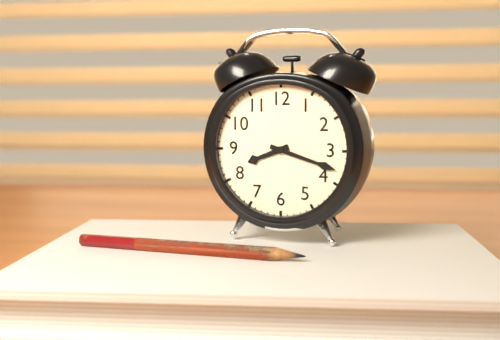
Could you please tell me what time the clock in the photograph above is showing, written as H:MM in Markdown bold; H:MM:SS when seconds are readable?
**8:18**
